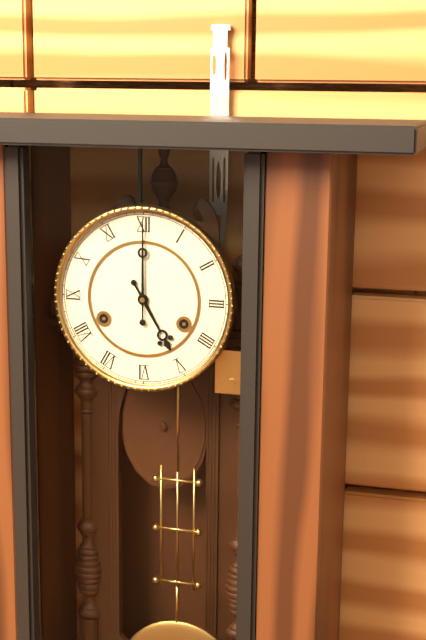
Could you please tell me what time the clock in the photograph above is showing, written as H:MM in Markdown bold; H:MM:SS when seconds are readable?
**5:00**
